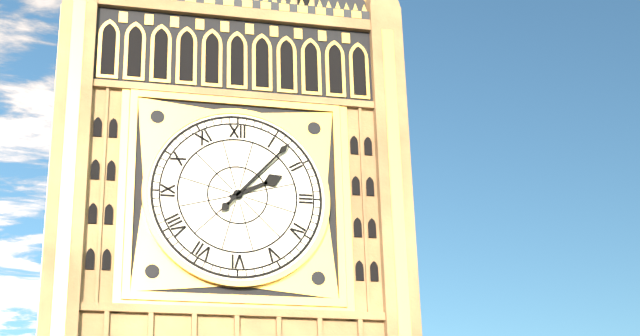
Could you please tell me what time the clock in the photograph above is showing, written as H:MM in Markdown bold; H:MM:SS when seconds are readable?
**2:07**
